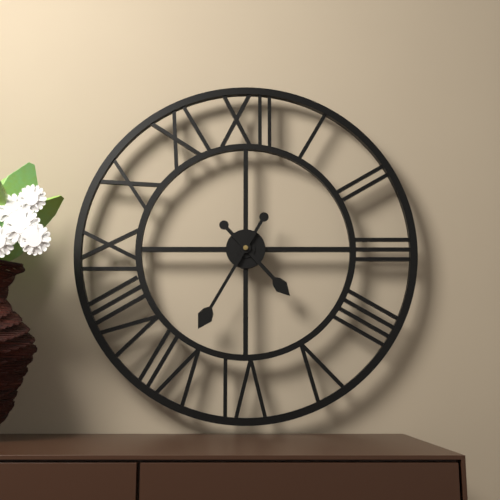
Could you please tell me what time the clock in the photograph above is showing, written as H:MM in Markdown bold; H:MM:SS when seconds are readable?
**4:35**
